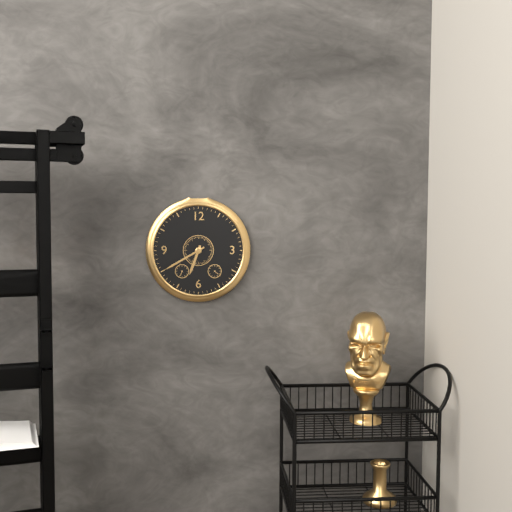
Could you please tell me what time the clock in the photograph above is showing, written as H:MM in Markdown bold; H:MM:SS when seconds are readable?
**6:40**
